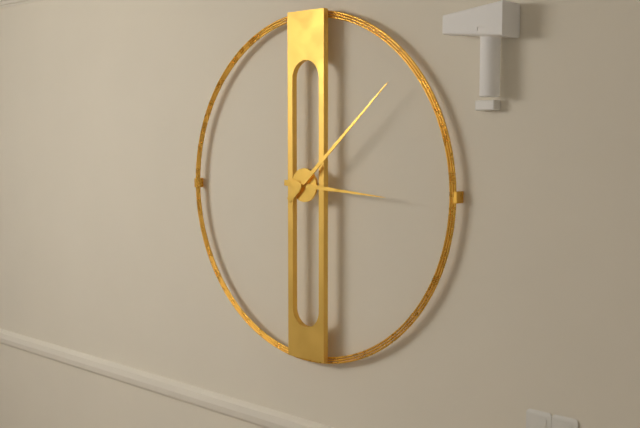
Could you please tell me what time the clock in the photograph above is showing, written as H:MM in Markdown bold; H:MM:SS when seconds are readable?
**3:08**
